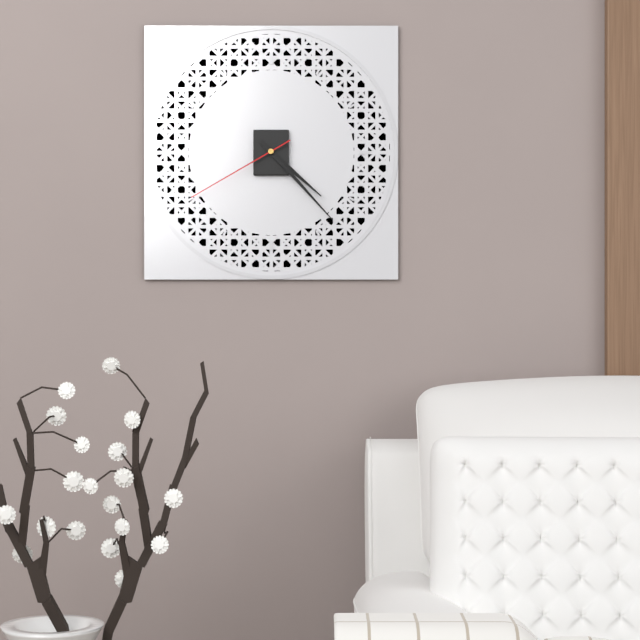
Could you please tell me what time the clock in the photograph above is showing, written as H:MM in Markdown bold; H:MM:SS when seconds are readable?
**4:23:40**
